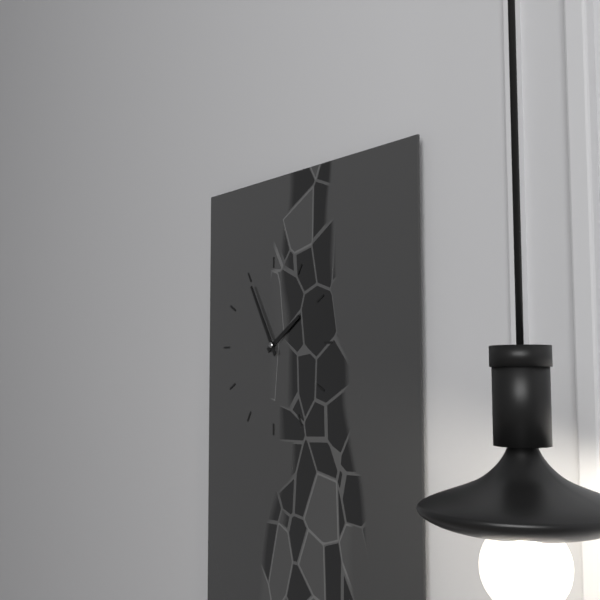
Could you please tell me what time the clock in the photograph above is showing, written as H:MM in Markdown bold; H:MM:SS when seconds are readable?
**1:55**
